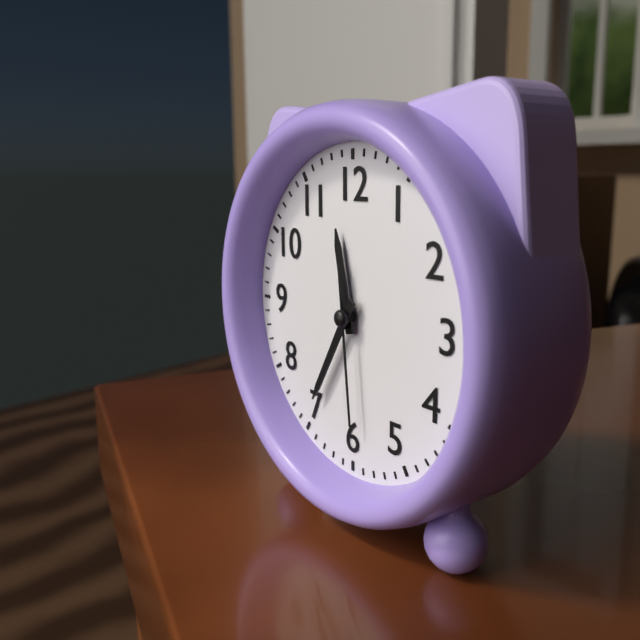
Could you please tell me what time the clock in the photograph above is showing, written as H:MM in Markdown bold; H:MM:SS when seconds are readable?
**11:35:29**
